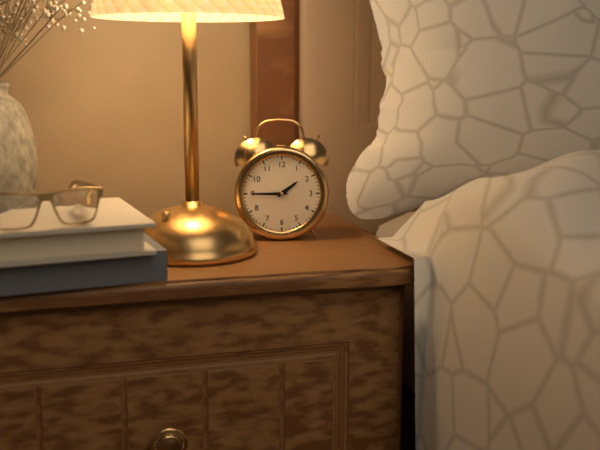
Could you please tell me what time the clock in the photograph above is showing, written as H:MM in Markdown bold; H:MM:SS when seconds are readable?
**1:45**
